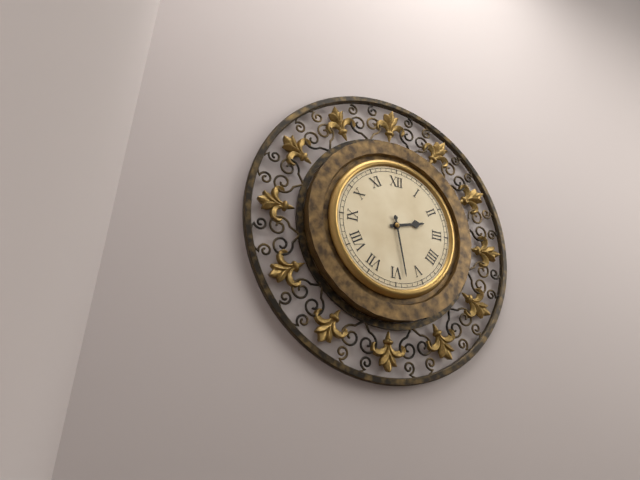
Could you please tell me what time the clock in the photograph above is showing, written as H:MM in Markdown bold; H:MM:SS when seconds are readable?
**2:28**
